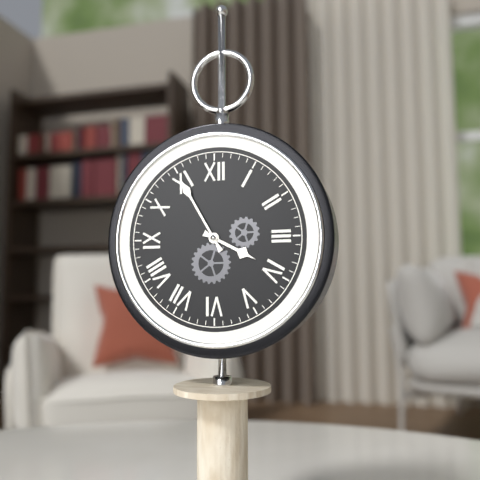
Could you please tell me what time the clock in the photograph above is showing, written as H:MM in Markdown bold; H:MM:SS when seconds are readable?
**3:55**
